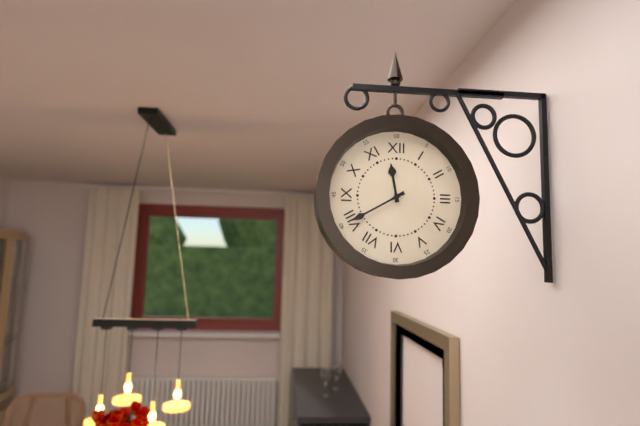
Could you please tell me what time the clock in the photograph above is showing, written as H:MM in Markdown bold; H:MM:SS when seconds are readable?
**11:40**
